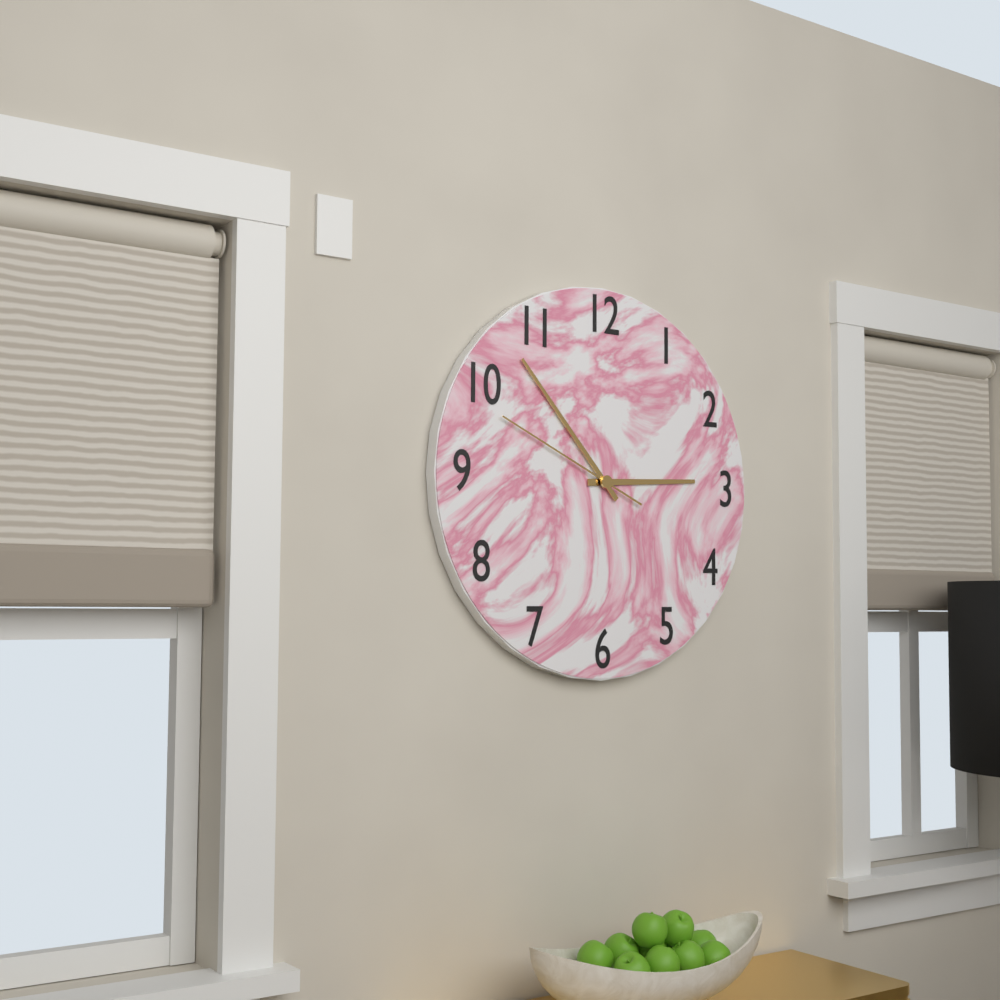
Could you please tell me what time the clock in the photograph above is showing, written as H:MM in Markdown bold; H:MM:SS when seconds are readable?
**2:53:49**
